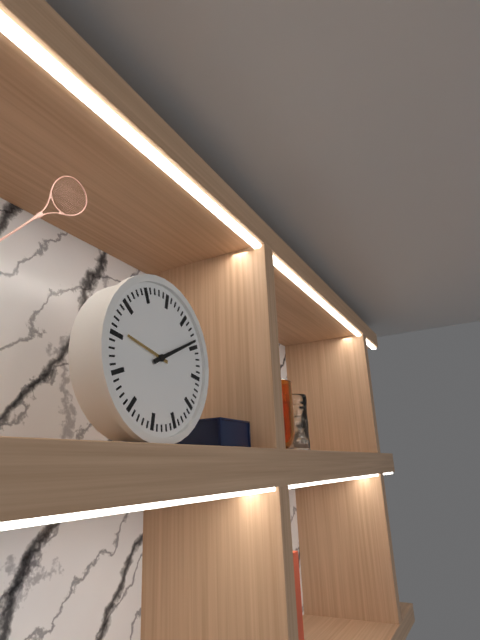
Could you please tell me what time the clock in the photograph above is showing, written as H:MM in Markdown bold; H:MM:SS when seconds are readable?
**9:09**
